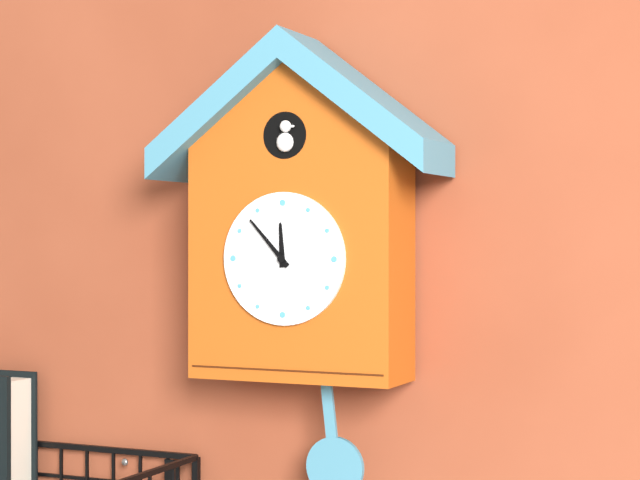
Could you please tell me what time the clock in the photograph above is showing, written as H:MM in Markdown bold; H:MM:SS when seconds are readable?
**11:53**
